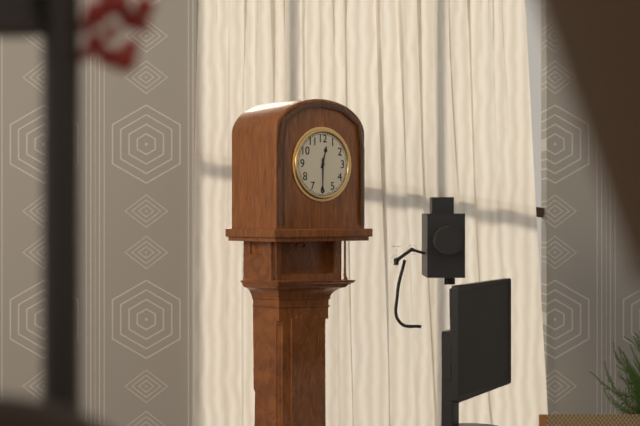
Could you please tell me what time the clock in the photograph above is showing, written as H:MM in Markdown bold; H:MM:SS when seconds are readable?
**12:30**
